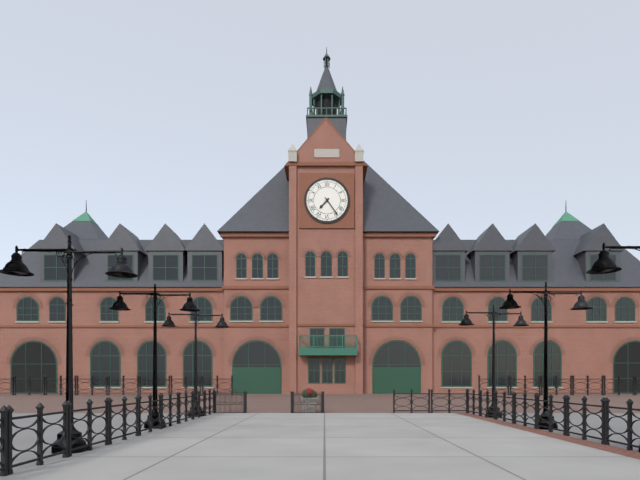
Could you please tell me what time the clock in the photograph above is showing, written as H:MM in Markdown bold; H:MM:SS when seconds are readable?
**7:24**
